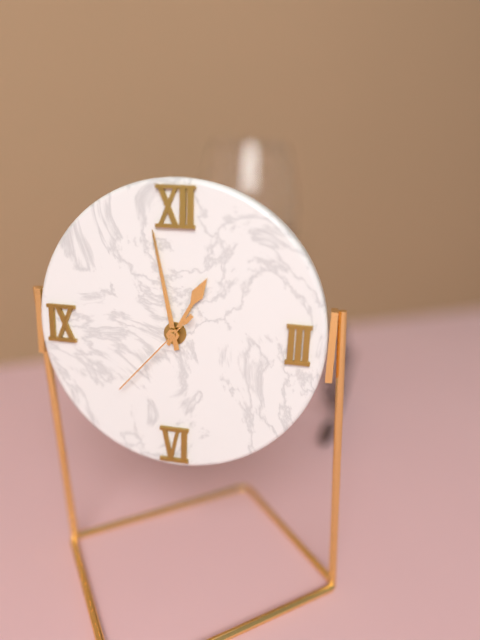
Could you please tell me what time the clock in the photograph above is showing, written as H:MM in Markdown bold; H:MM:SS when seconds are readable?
**12:58:37**
